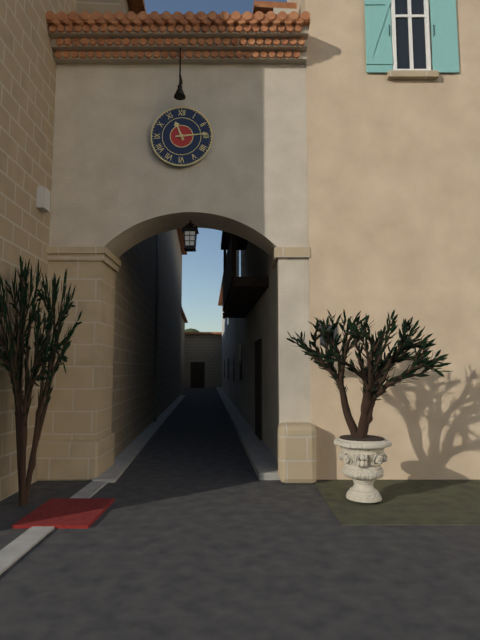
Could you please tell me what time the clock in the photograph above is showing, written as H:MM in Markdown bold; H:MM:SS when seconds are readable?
**11:14**
